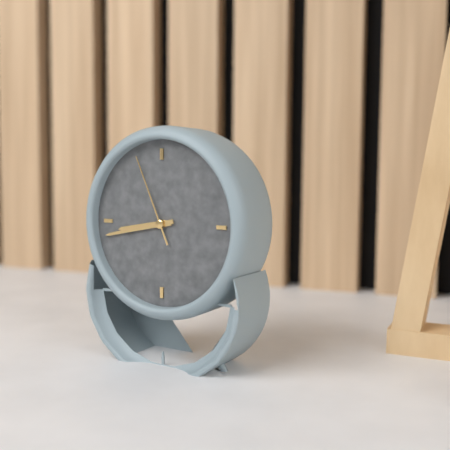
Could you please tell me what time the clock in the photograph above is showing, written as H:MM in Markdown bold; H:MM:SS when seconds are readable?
**8:43:56**
